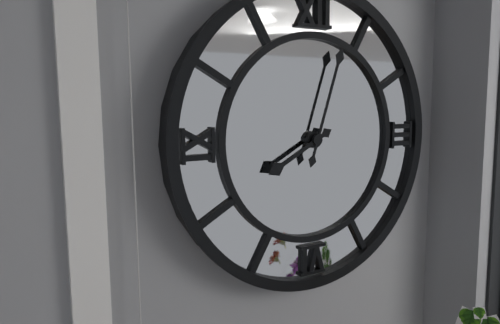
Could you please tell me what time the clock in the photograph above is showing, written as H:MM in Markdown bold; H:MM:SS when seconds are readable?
**8:03**
